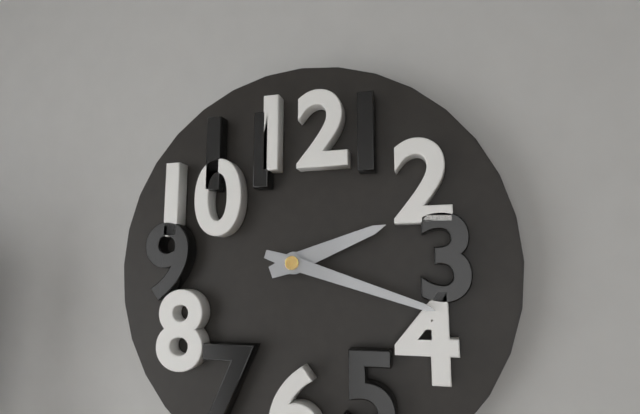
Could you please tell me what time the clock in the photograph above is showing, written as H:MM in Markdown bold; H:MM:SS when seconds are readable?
**2:18**
